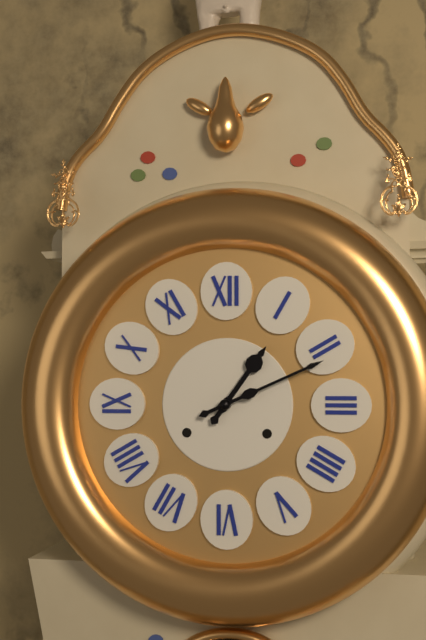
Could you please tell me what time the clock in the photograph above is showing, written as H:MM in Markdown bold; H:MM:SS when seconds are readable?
**1:11**
